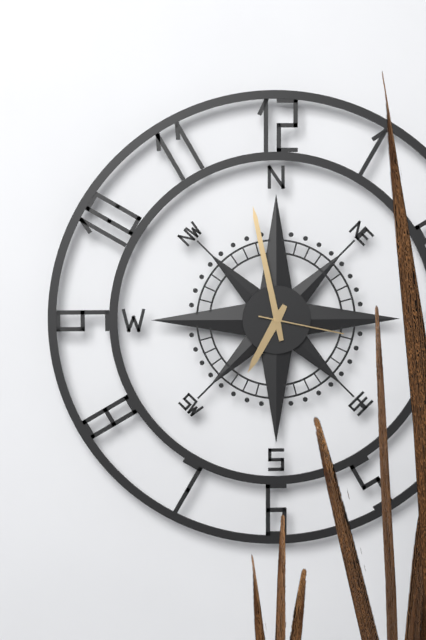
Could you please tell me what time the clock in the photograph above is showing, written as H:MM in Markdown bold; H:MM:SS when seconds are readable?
**6:58:17**
